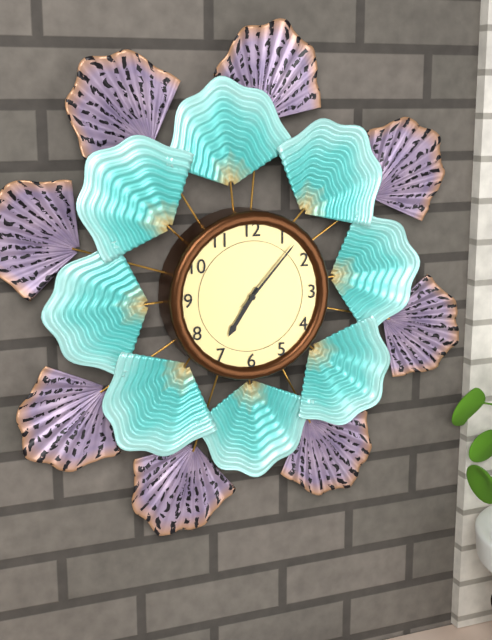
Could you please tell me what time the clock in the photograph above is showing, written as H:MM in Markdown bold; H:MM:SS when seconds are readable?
**7:07**
